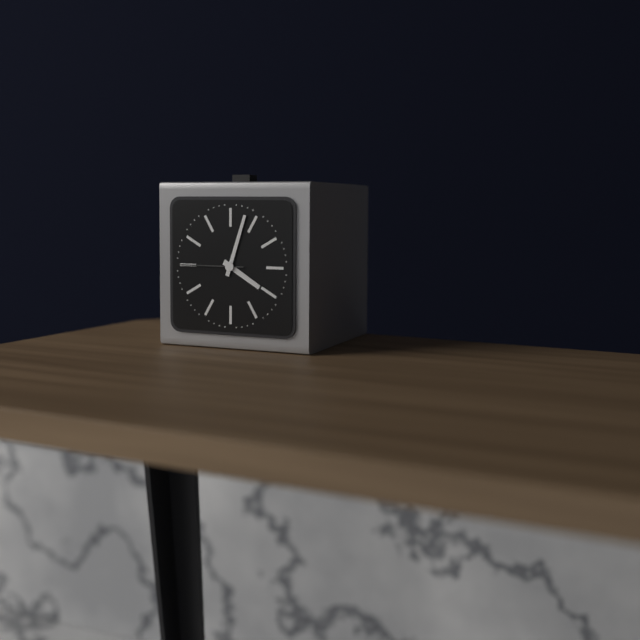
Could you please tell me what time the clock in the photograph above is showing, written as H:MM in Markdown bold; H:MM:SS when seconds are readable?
**4:03:45**
